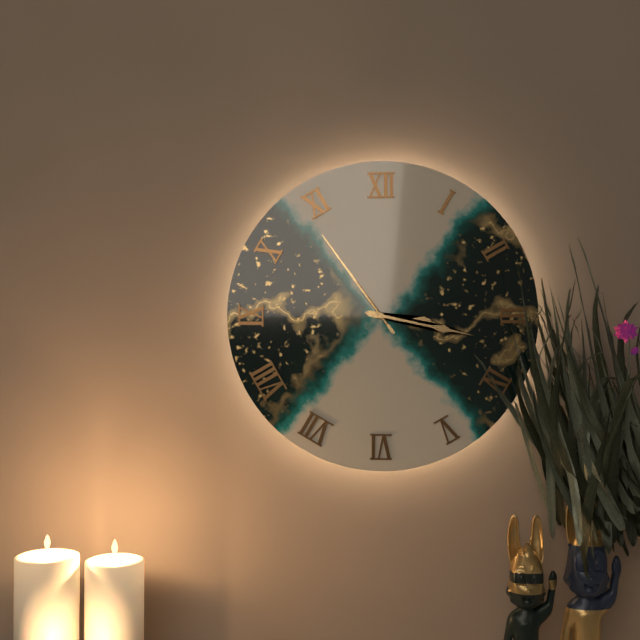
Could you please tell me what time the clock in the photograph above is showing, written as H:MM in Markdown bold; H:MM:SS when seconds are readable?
**3:17:54**
